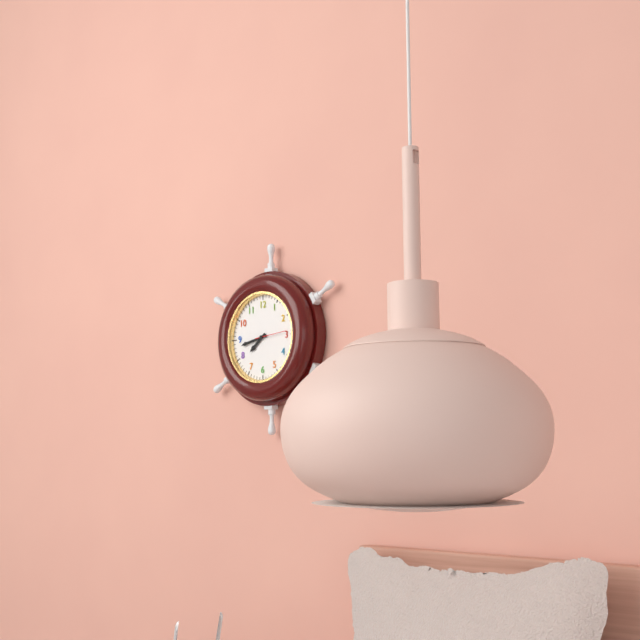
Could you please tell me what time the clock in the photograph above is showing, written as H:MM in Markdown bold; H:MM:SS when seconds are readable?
**7:43**
